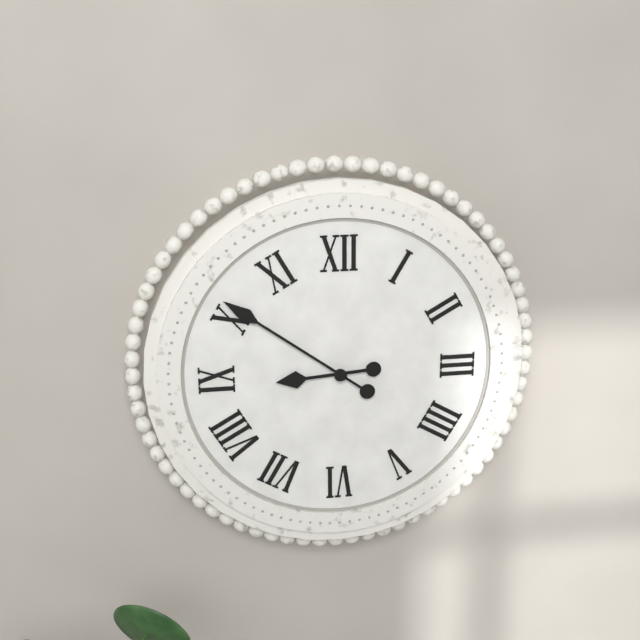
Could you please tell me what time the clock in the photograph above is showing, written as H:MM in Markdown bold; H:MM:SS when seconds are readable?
**8:51**
